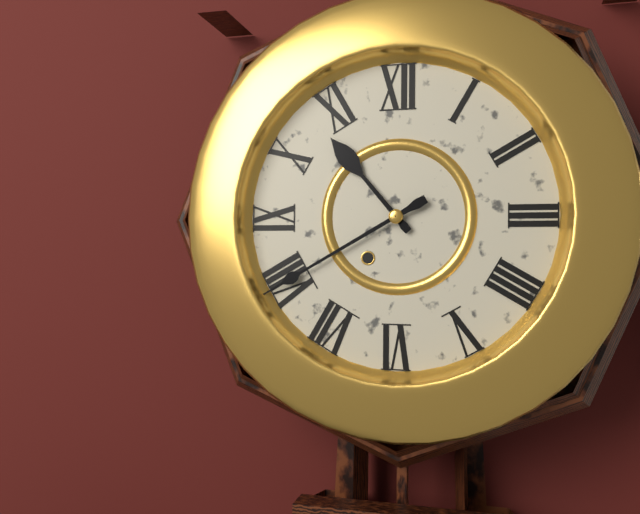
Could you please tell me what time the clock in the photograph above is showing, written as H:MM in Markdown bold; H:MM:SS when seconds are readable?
**10:40**
